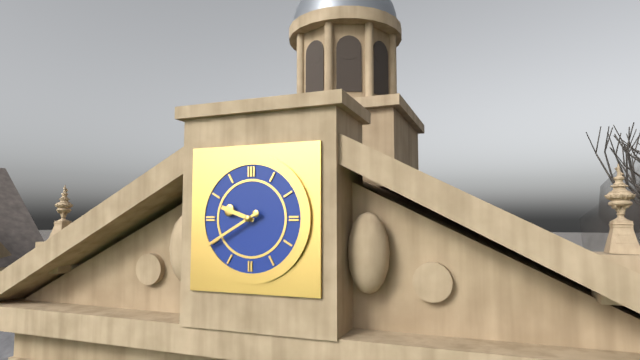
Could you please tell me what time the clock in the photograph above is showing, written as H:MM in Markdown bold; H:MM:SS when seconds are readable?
**9:40**
